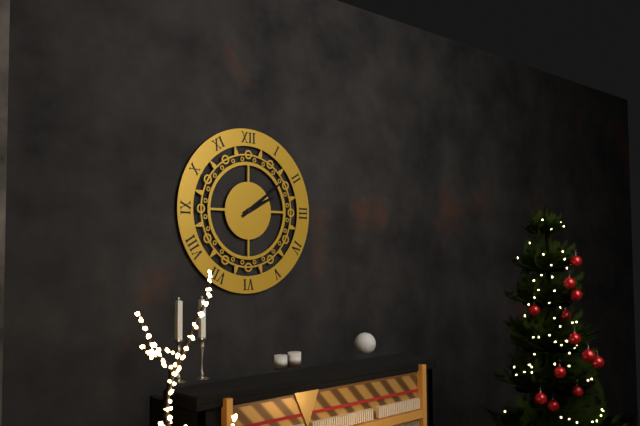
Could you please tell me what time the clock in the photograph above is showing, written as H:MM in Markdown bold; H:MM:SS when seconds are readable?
**2:09**
